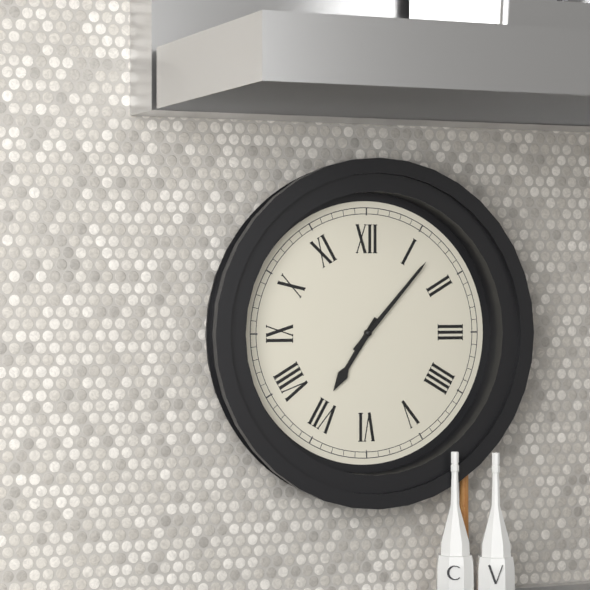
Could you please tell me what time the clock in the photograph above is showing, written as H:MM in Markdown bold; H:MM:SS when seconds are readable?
**7:07**
